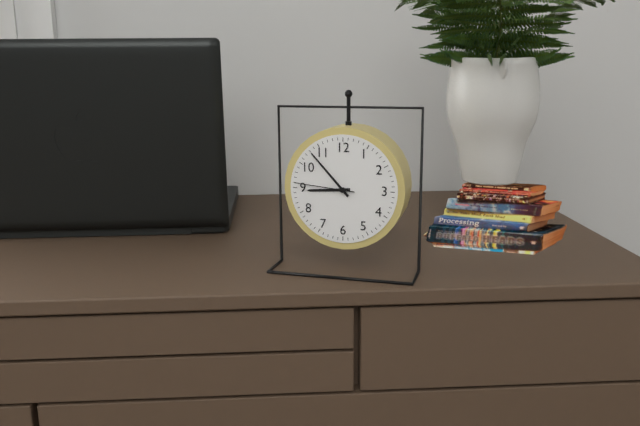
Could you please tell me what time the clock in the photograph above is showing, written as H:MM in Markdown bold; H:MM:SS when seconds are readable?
**8:53:46**
